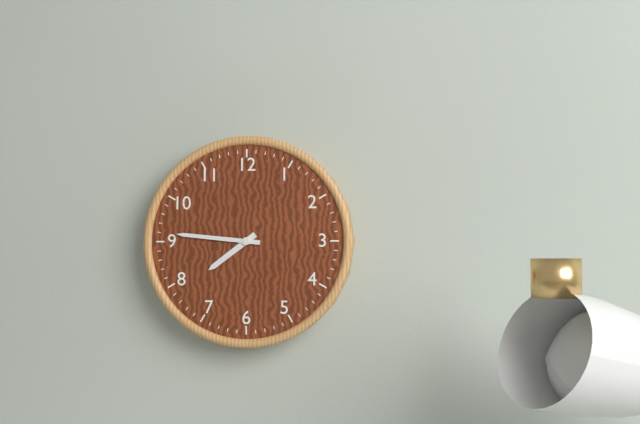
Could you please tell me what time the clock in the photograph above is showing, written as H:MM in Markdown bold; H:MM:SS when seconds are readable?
**7:46**
